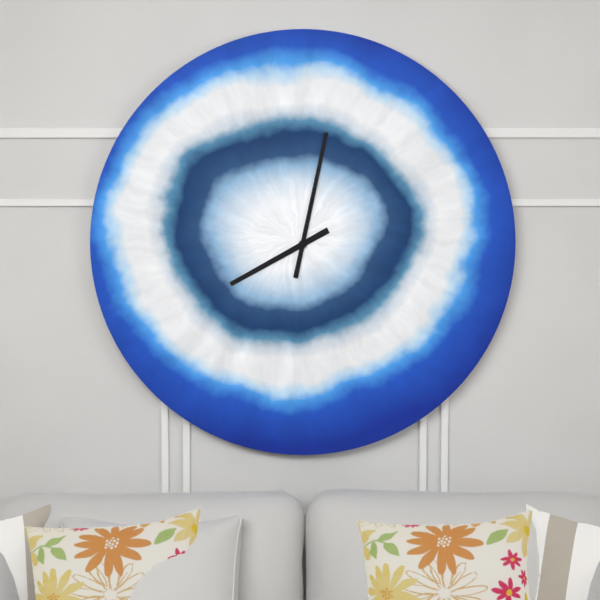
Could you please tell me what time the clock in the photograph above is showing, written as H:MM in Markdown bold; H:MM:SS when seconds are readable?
**8:02**
